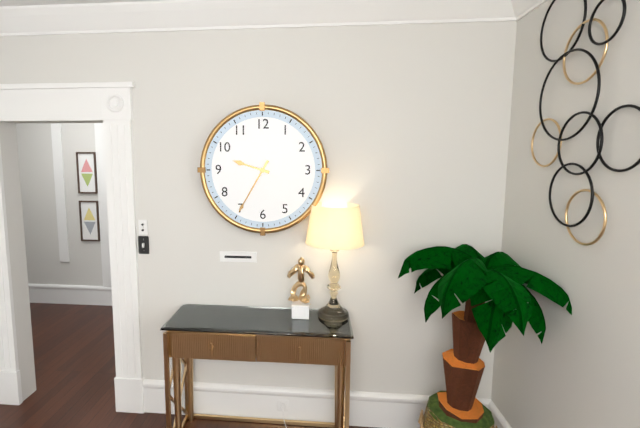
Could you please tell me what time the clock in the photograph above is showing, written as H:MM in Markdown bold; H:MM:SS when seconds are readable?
**9:35**
